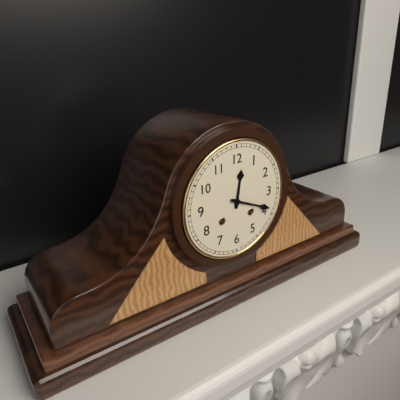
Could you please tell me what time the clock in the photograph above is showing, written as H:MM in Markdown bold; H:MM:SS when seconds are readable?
**12:19**
